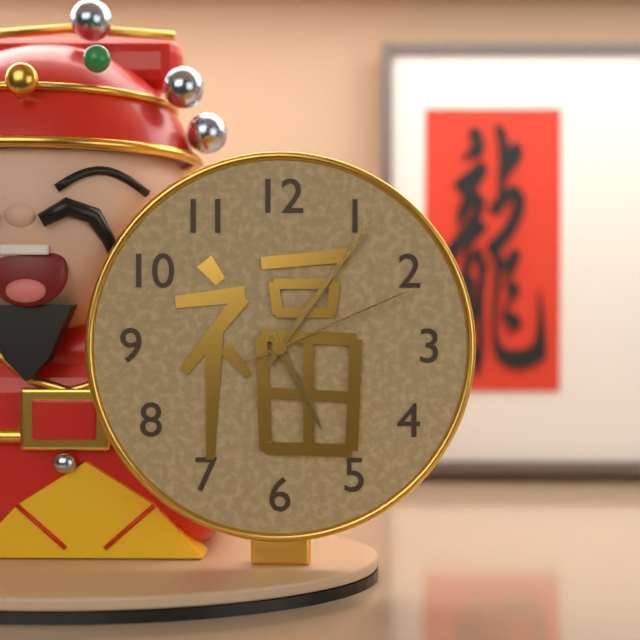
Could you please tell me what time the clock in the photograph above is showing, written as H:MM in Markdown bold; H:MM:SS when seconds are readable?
**5:06:11**
